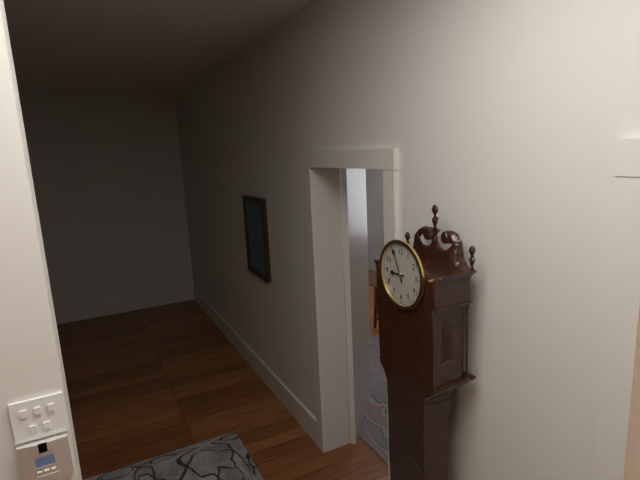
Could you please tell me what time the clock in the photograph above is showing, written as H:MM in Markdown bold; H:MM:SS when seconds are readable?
**8:56**
